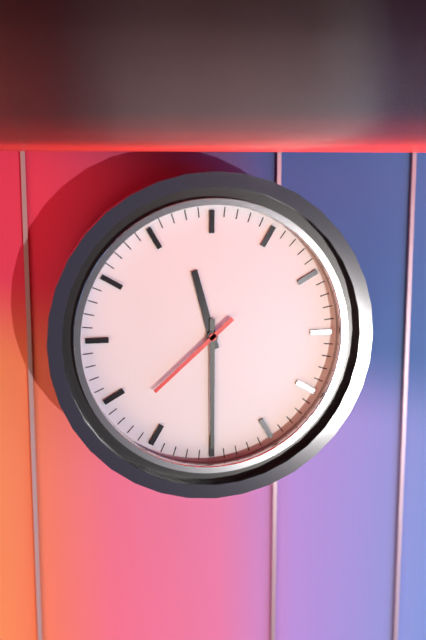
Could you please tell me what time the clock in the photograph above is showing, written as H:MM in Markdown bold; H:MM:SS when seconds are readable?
**11:30:38**
